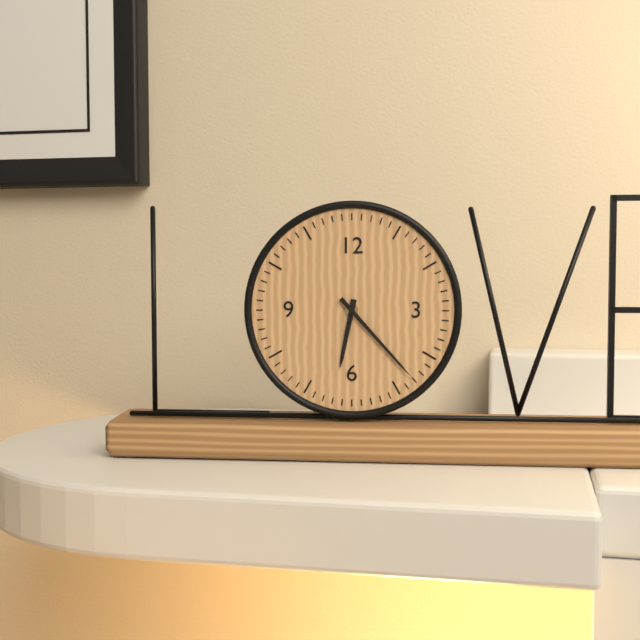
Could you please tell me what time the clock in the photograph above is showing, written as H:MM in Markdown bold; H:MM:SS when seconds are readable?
**6:23**
